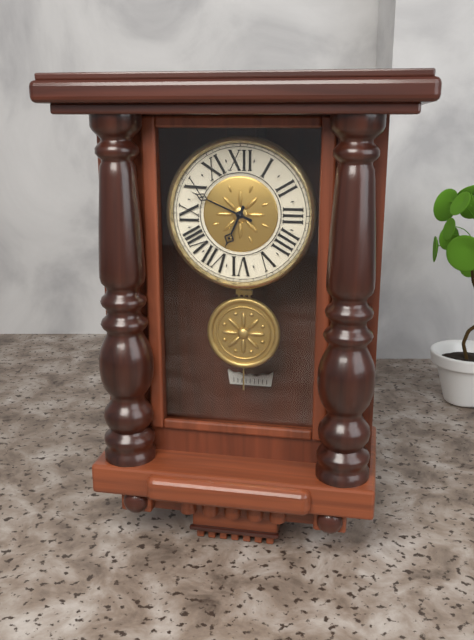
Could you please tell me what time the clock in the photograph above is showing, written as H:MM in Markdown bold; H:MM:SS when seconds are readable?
**6:49**
